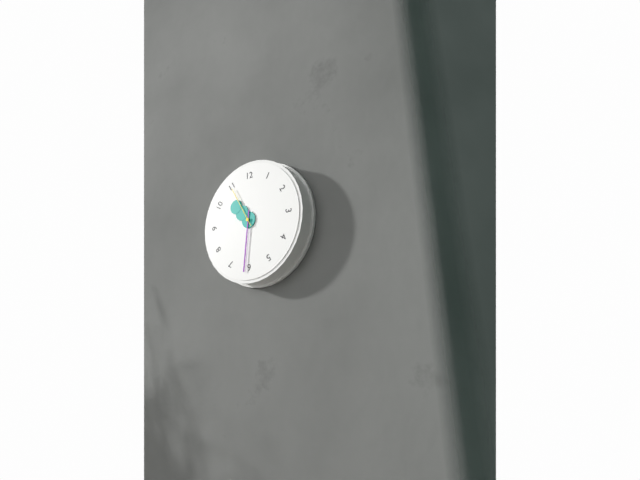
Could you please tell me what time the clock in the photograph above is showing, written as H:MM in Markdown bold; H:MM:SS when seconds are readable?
**10:31:55**
